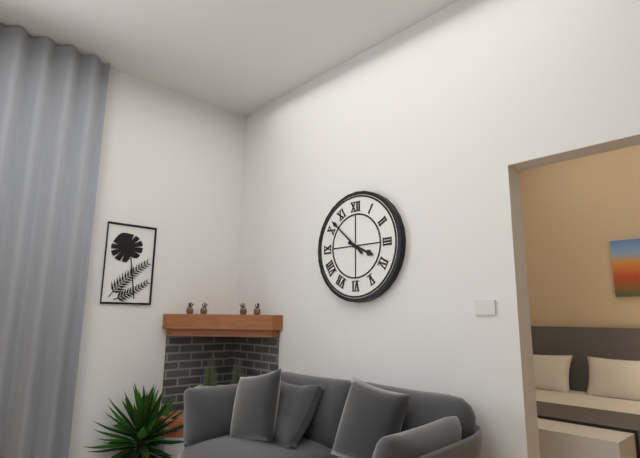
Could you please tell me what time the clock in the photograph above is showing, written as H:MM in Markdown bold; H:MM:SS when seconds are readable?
**3:52**
